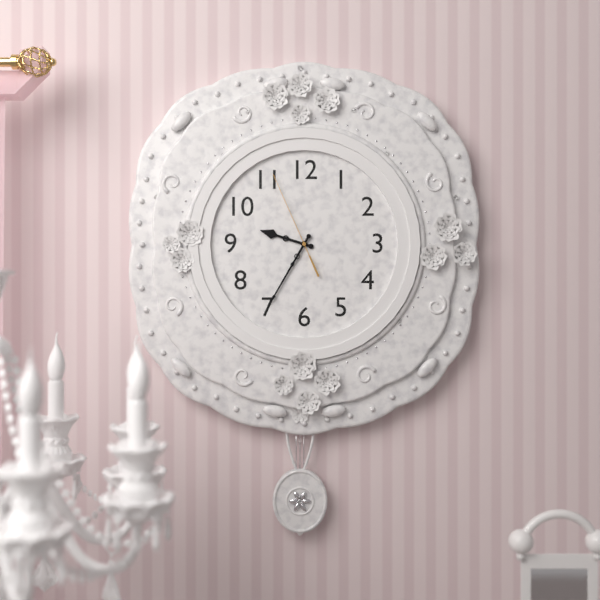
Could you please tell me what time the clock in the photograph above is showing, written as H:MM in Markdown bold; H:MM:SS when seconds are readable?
**9:35:56**
